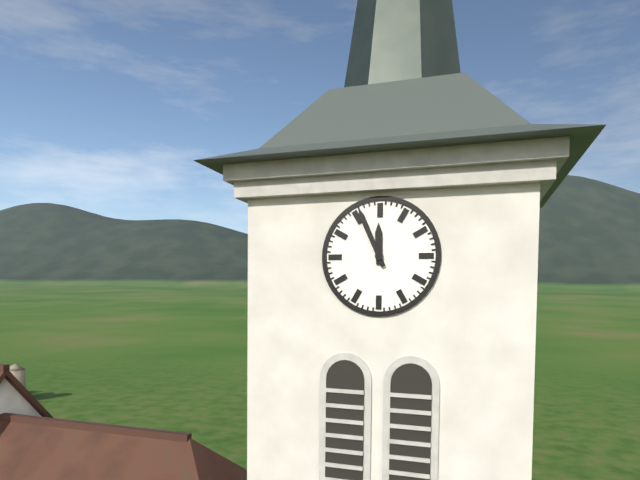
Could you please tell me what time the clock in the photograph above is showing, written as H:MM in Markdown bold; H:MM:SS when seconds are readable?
**11:56**
